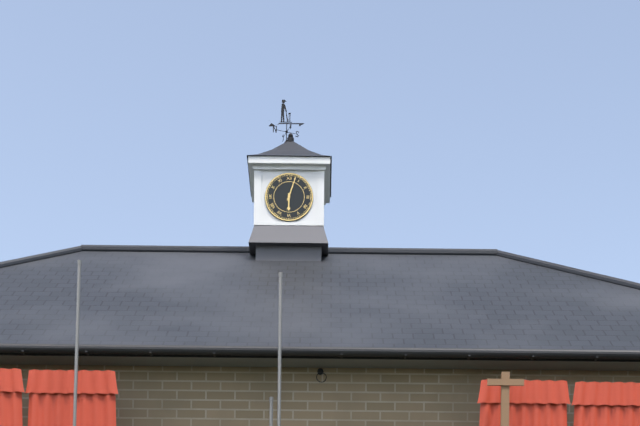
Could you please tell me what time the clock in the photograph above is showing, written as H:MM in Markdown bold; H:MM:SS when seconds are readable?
**6:03**
